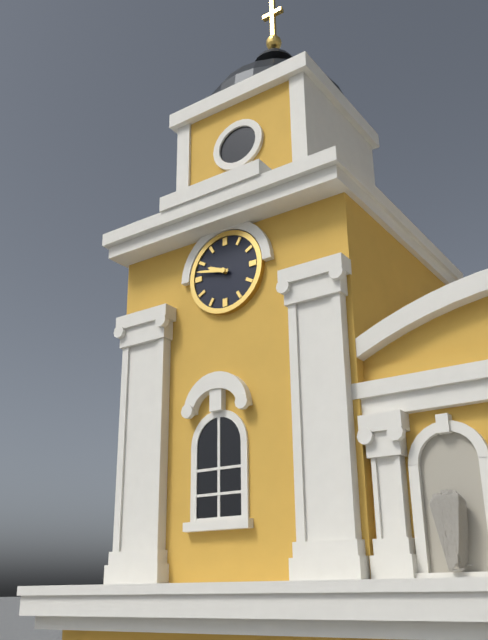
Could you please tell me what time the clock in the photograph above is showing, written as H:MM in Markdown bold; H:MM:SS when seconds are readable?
**9:47**
